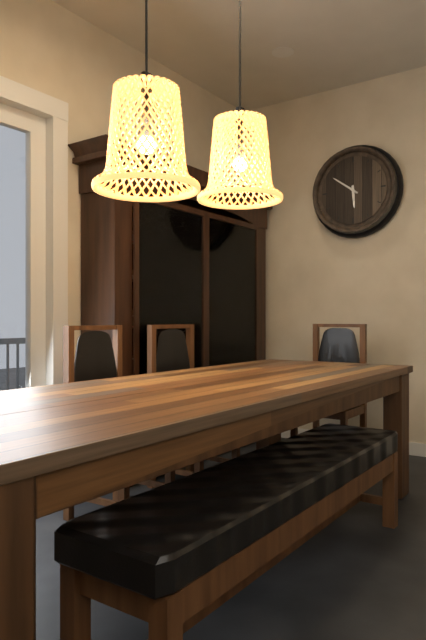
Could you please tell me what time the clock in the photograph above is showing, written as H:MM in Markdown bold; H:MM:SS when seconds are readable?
**5:51**
